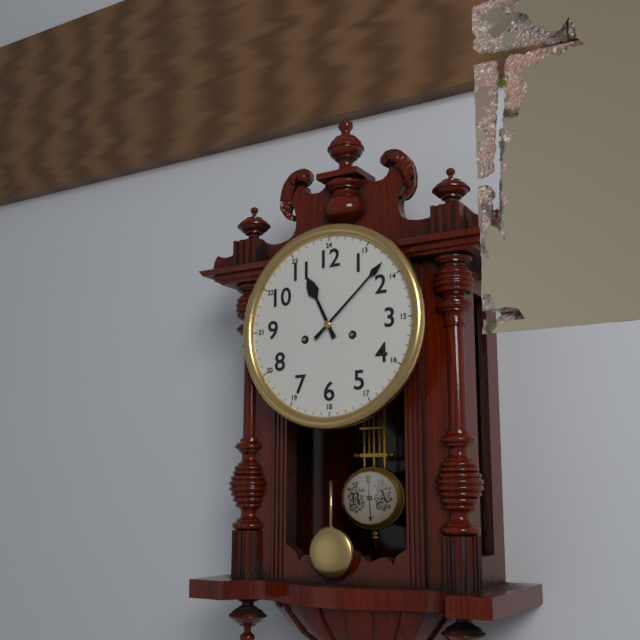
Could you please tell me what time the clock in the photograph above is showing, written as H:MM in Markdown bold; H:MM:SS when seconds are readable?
**11:08**
